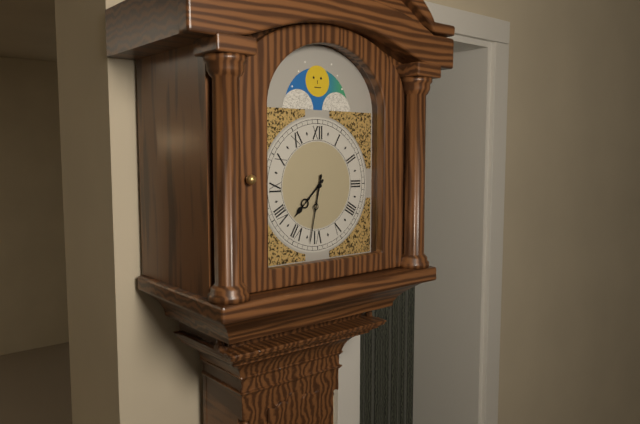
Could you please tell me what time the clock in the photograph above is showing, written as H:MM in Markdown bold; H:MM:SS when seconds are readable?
**7:32**
